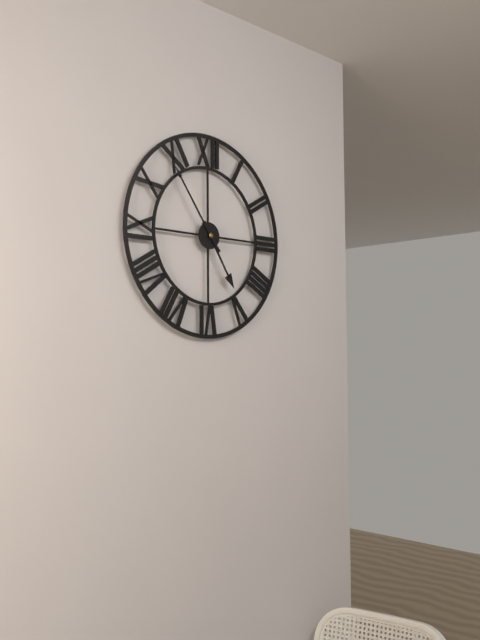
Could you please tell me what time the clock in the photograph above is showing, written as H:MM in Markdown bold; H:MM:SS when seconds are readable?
**4:54**
